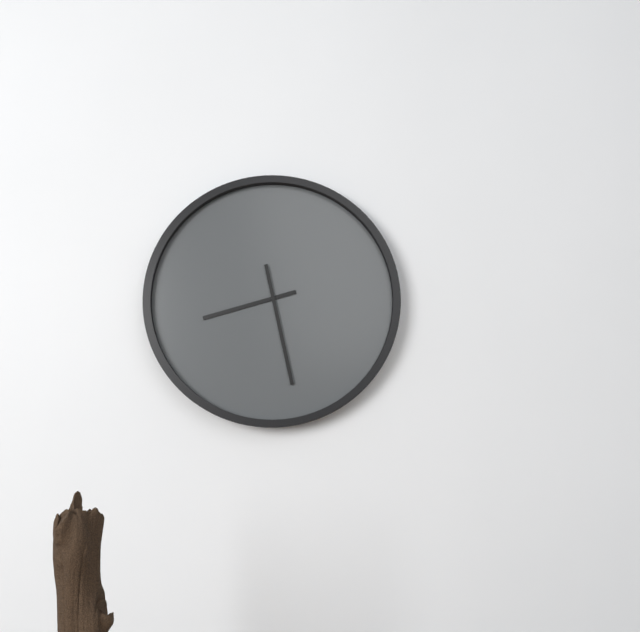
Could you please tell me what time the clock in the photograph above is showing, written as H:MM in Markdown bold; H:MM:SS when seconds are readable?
**8:28**
